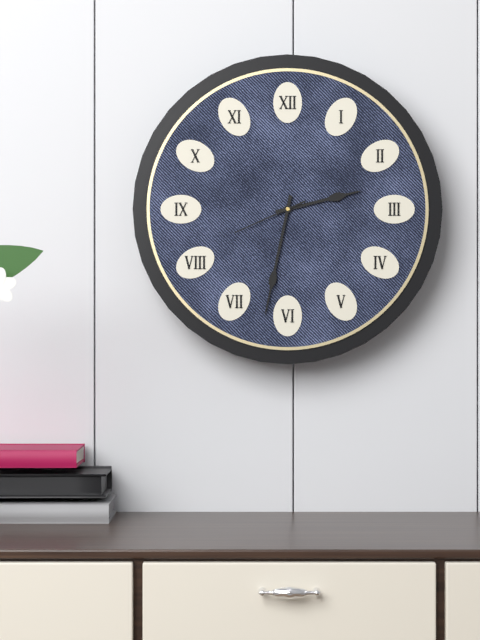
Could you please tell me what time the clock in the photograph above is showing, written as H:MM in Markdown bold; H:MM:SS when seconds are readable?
**2:32:41**
